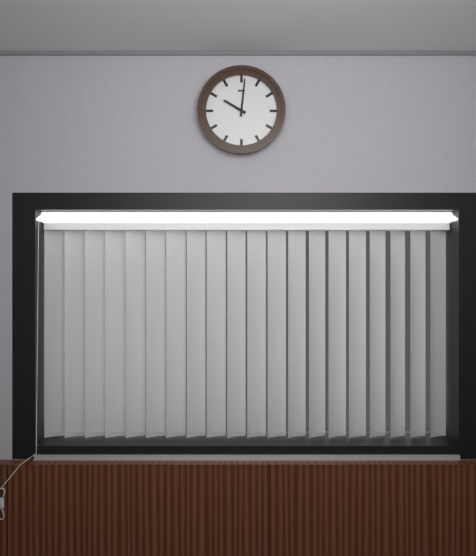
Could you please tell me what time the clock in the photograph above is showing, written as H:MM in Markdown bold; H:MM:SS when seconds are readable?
**10:01**
